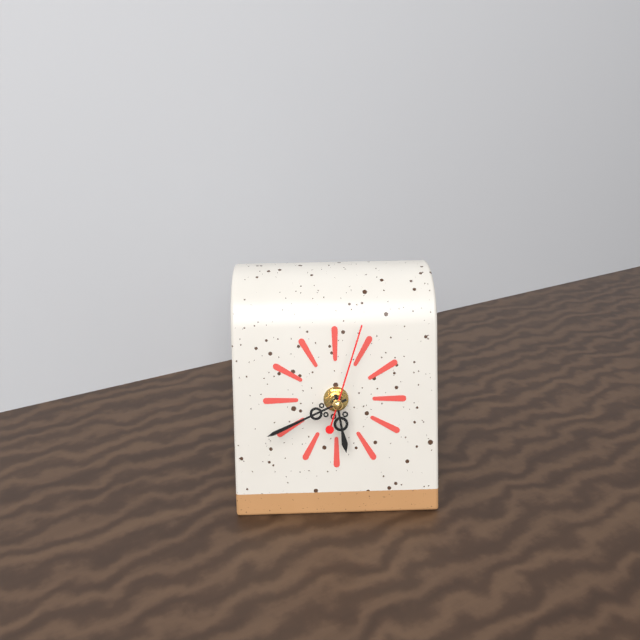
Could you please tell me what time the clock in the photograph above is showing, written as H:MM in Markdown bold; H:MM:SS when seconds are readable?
**5:41:03**
